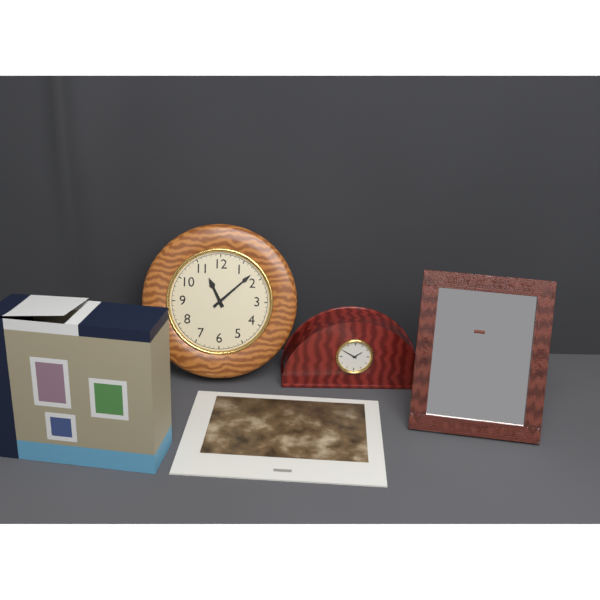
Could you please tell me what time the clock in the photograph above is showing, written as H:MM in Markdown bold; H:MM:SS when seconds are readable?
**11:08**
